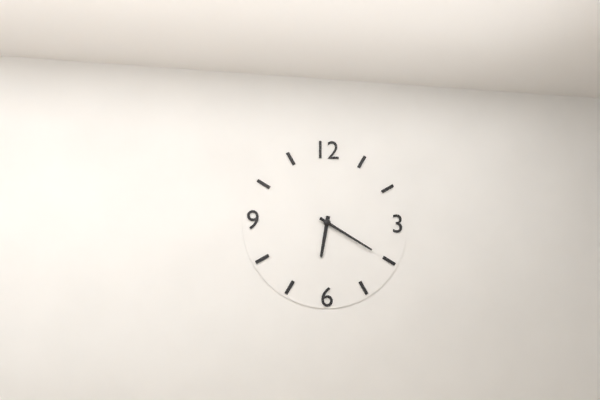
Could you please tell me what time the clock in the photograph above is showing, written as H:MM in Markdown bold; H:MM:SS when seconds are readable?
**6:20**
